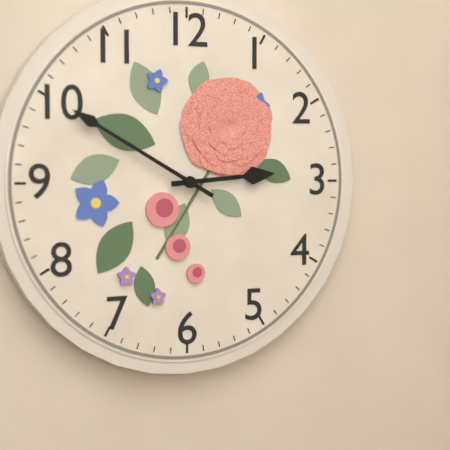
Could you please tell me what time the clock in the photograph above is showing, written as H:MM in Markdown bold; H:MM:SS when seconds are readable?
**2:50**
